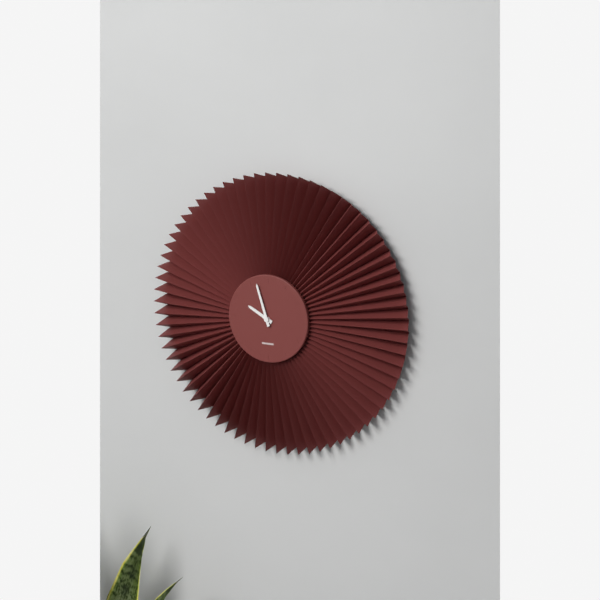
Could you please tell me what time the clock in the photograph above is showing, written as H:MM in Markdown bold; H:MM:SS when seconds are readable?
**9:57**
